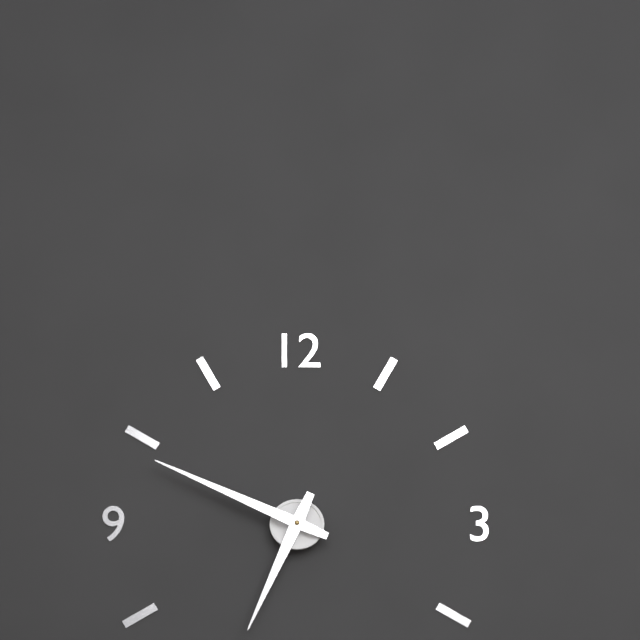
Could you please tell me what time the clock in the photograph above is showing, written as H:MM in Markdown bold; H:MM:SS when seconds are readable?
**6:49**
